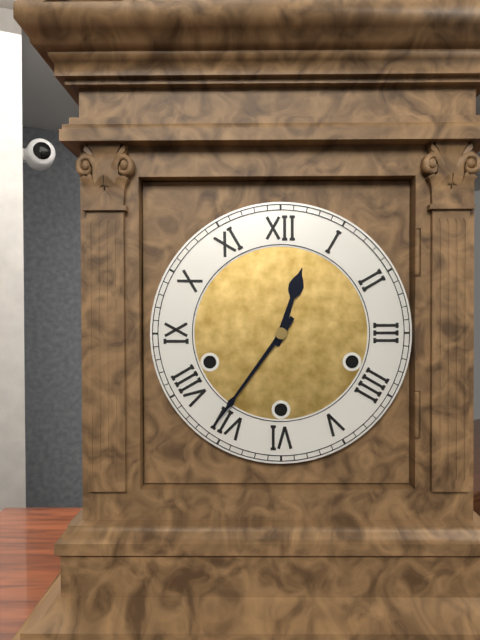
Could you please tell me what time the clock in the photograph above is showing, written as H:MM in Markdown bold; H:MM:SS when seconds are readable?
**12:36**
